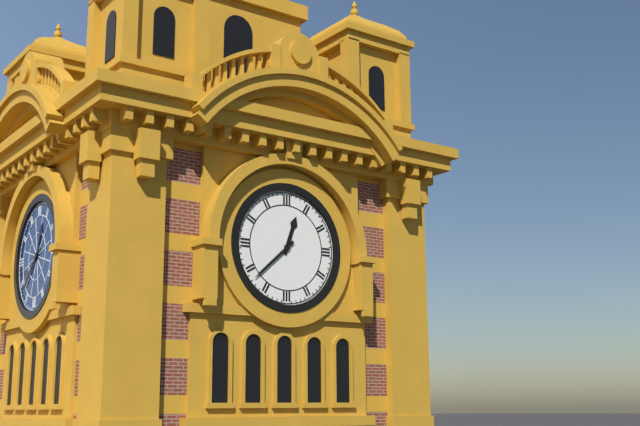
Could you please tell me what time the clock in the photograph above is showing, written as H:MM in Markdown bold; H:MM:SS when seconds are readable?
**12:38**
